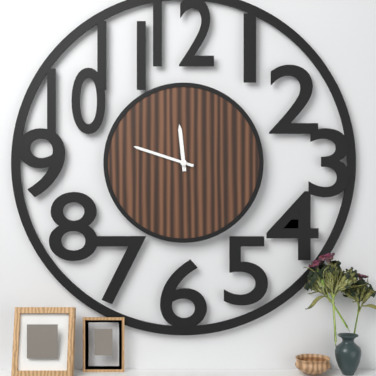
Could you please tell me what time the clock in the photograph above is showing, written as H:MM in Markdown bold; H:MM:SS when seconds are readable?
**11:48**
